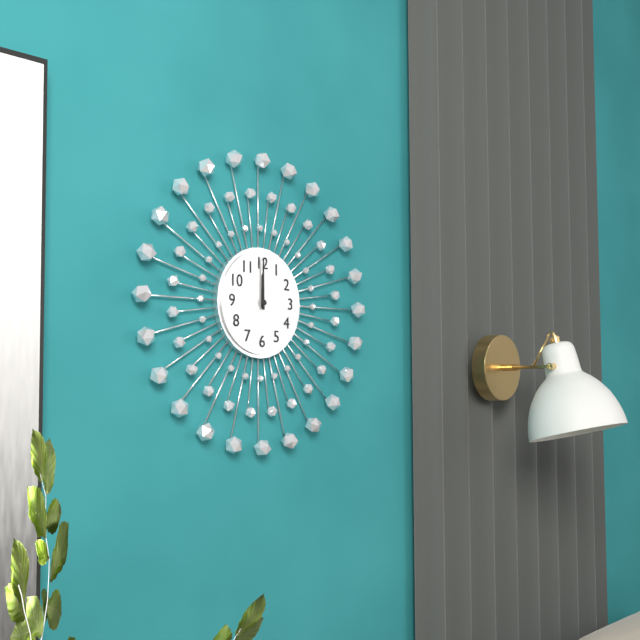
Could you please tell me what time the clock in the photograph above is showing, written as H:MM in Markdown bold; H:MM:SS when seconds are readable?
**12:00**
